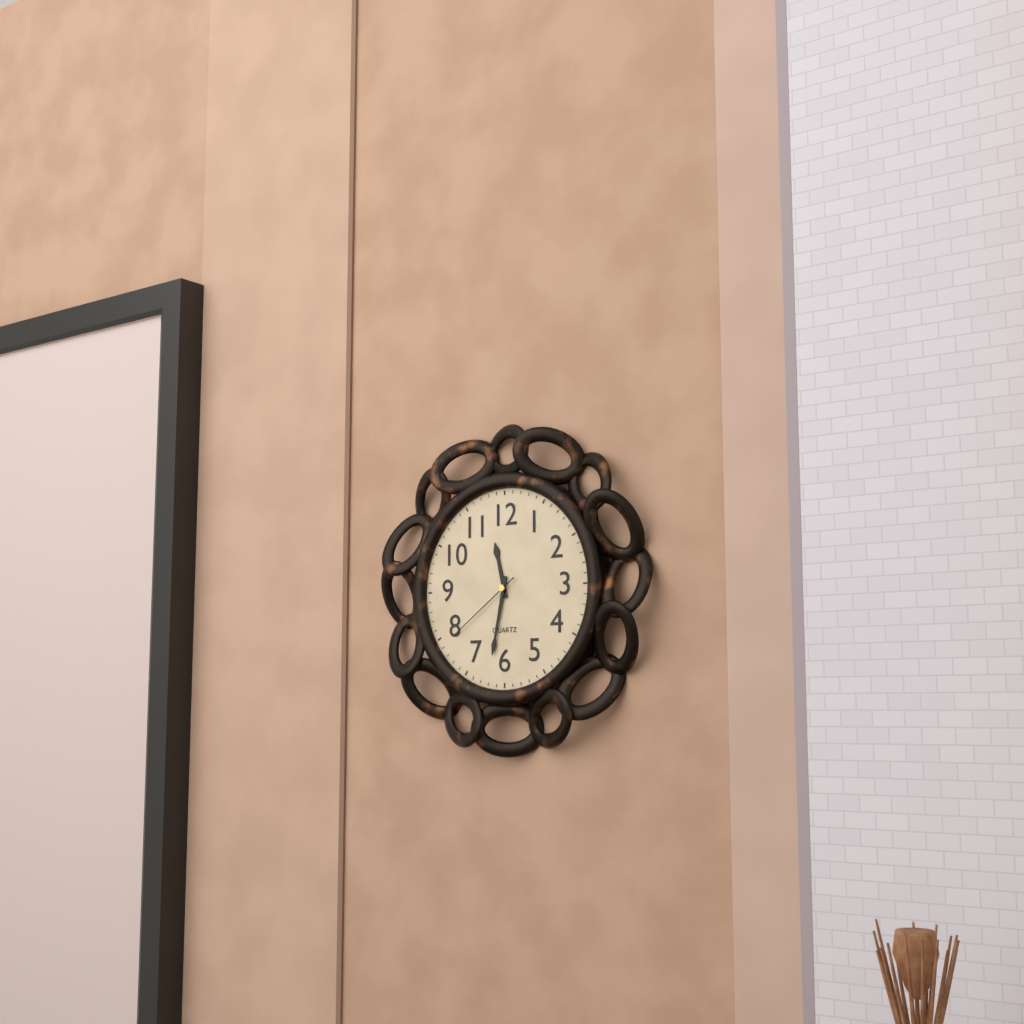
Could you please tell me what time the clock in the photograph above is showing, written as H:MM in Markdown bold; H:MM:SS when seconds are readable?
**11:32:39**
